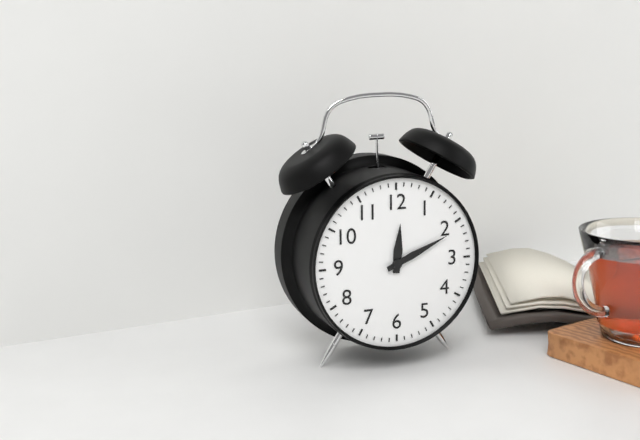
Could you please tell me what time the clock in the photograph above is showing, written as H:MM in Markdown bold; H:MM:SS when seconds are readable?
**12:11**
